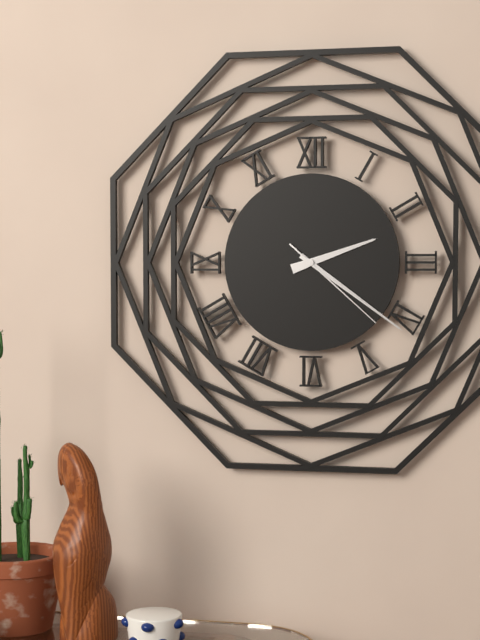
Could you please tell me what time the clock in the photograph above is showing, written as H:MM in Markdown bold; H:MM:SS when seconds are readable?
**2:21:22**
